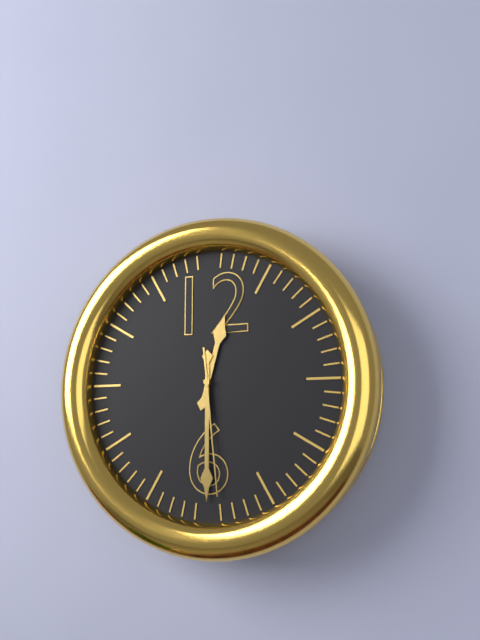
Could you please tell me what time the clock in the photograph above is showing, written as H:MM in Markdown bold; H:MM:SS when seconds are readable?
**12:30:29**
